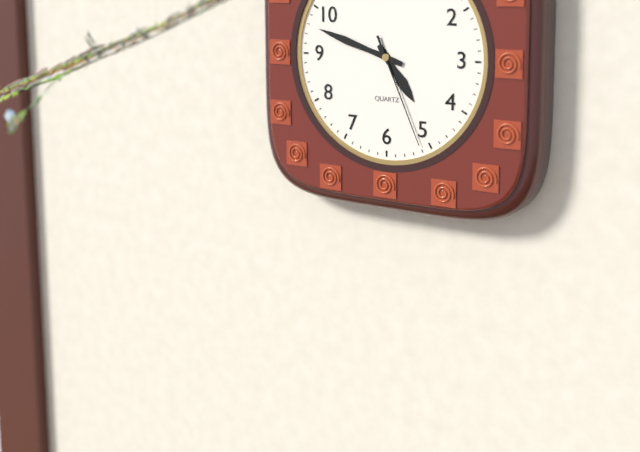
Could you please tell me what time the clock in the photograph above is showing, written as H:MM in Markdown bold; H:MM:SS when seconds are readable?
**4:48:26**
